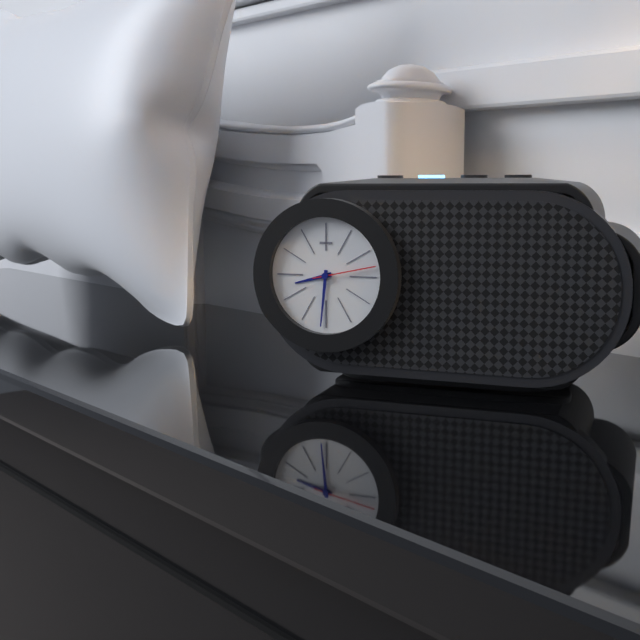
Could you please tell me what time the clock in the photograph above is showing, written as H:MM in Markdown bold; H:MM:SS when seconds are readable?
**8:31**
